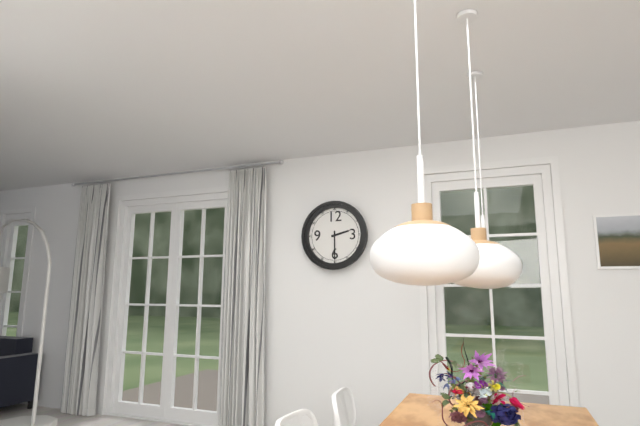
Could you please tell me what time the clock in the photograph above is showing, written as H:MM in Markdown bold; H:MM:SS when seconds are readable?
**2:30**
